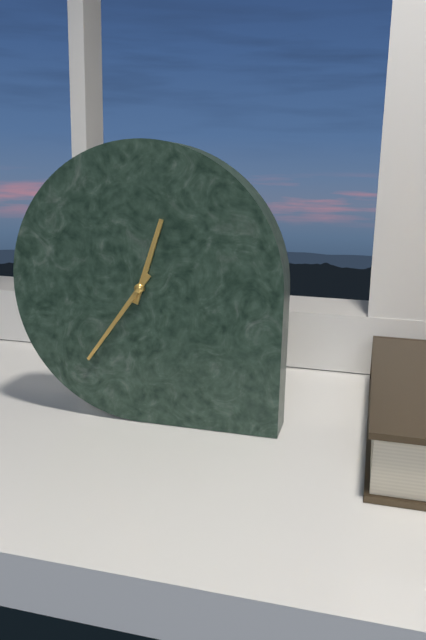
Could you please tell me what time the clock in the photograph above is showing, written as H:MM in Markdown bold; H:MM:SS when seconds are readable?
**12:36**
